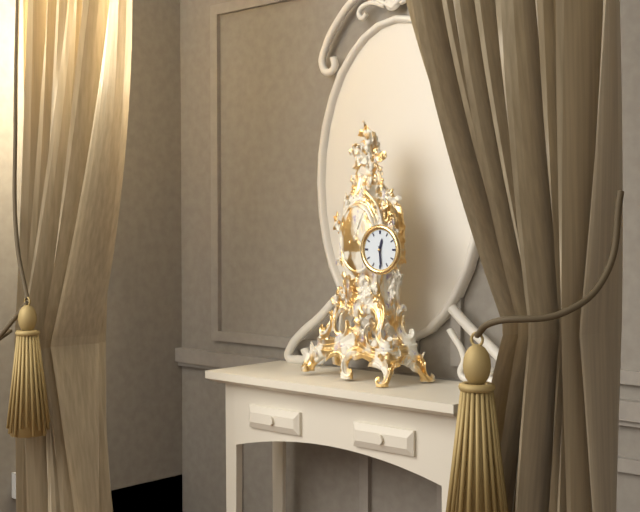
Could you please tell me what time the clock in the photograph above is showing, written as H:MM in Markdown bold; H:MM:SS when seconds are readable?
**12:29**
